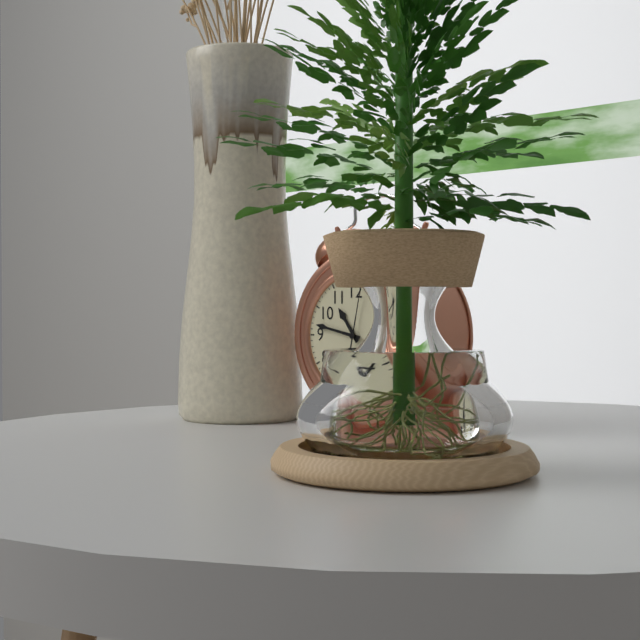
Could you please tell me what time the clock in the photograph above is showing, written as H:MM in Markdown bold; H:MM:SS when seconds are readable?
**10:47:02**
